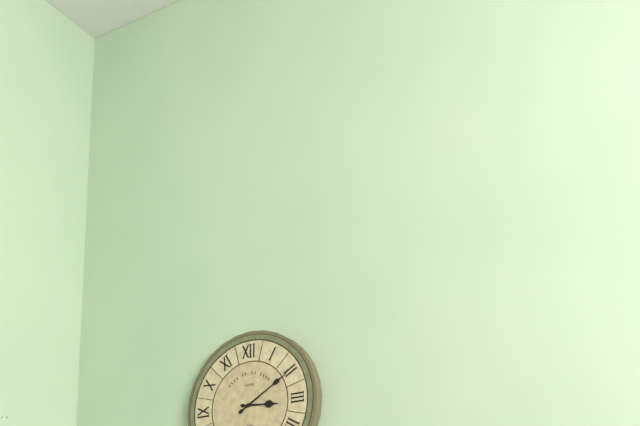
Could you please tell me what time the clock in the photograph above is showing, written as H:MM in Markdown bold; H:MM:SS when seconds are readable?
**3:10**
